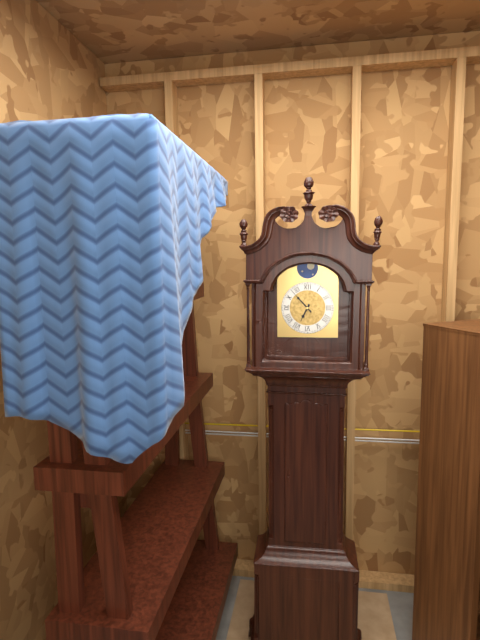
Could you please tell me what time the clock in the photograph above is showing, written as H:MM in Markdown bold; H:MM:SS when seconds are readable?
**6:53**
